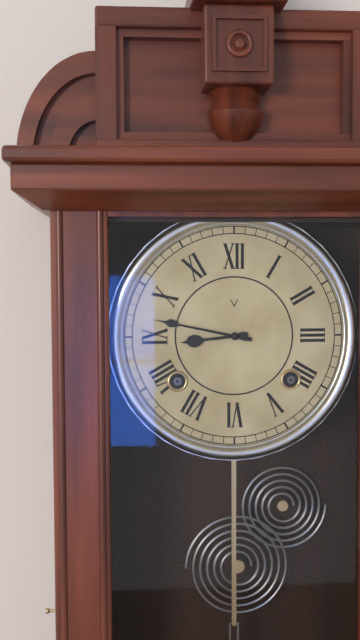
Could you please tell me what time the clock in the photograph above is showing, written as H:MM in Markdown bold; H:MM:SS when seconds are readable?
**8:47**
